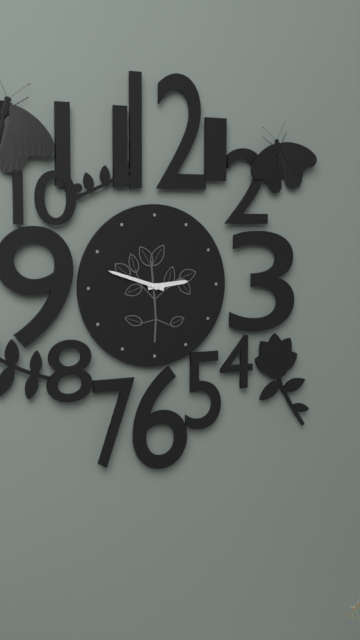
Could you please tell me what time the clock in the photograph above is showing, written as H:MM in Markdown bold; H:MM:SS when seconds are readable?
**2:48**
